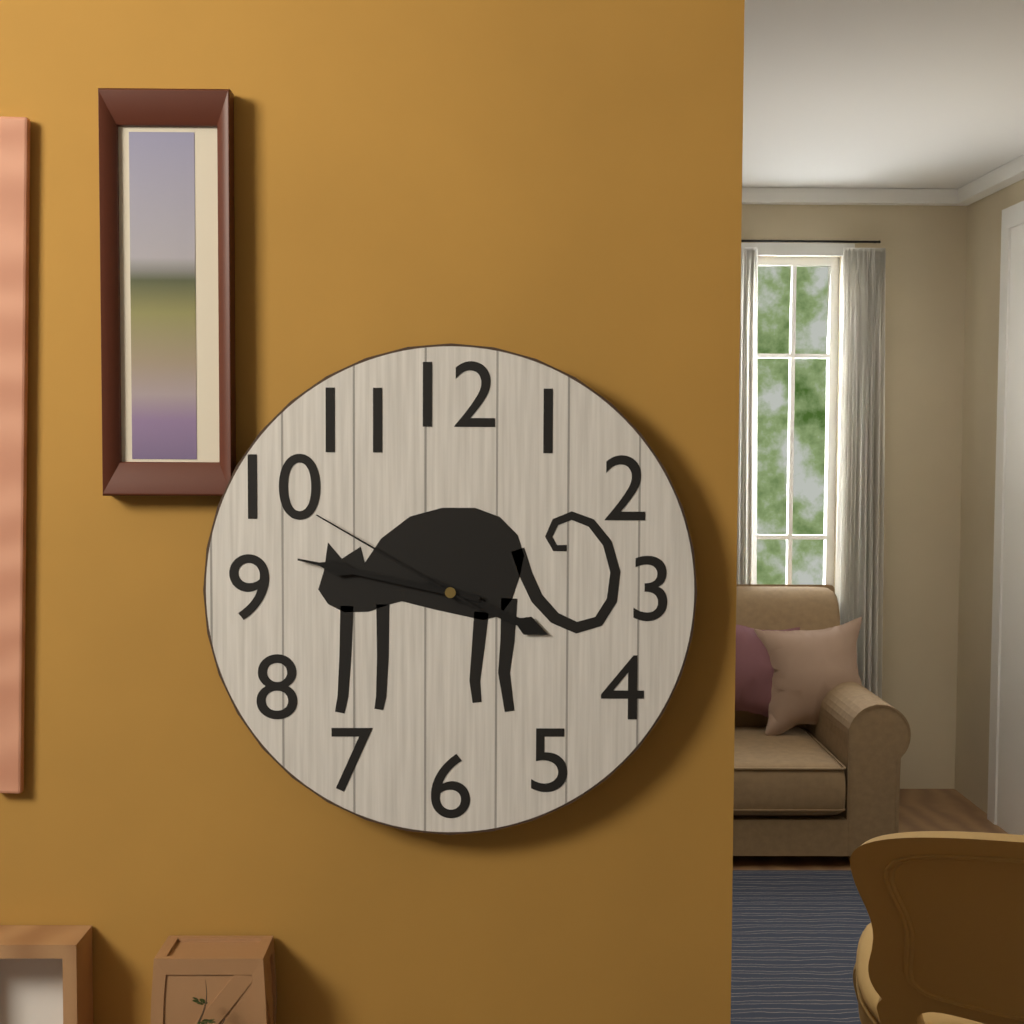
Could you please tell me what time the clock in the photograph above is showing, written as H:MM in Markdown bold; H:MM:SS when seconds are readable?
**3:47:50**
